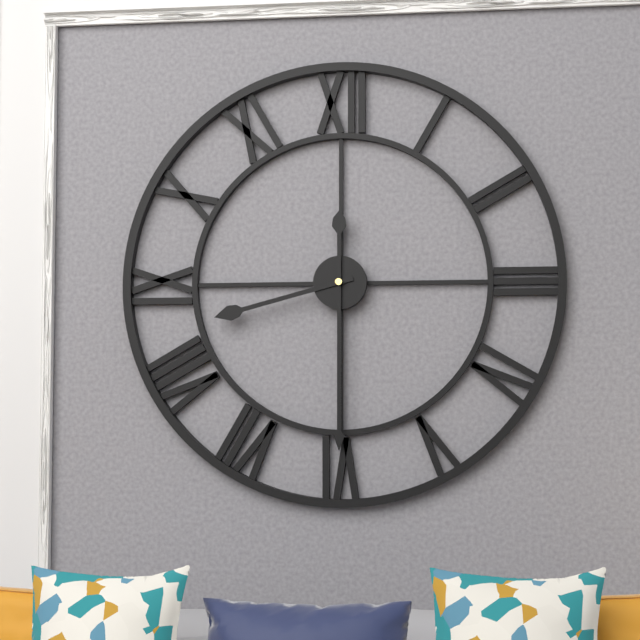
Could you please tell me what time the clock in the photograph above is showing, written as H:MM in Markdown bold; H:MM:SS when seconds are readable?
**8:30**
